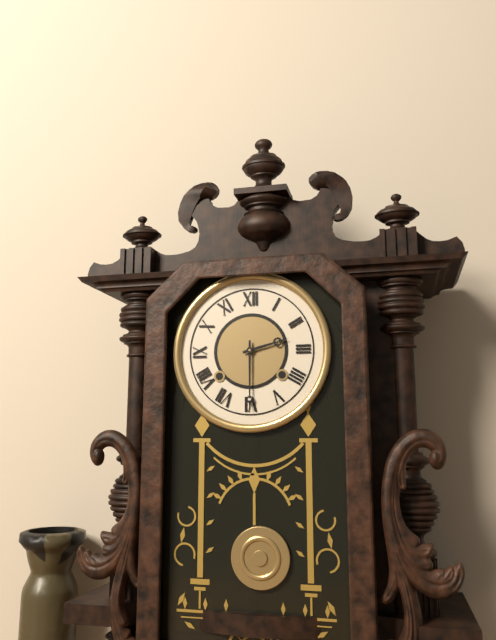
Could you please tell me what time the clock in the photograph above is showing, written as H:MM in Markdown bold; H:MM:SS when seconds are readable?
**2:30**
